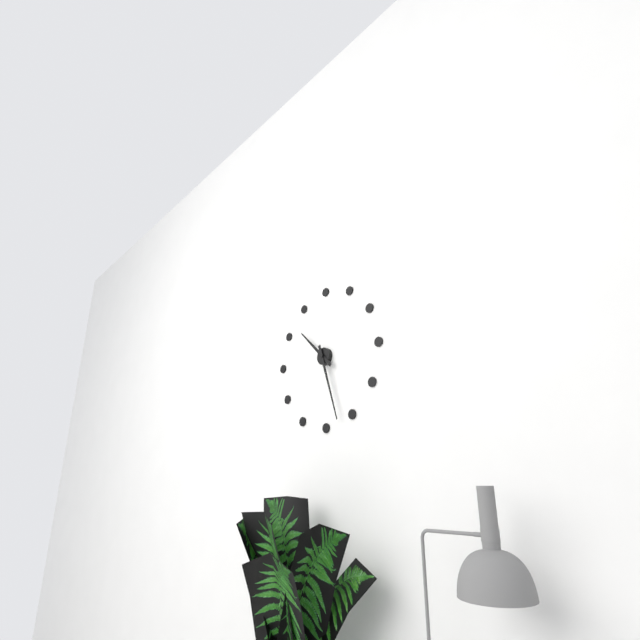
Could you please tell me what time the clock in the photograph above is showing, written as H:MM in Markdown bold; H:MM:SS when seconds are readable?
**10:27**
